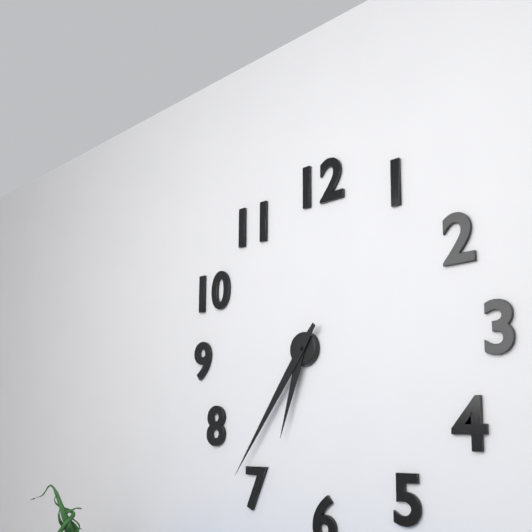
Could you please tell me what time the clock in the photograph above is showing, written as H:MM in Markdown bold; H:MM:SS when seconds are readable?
**6:36**
